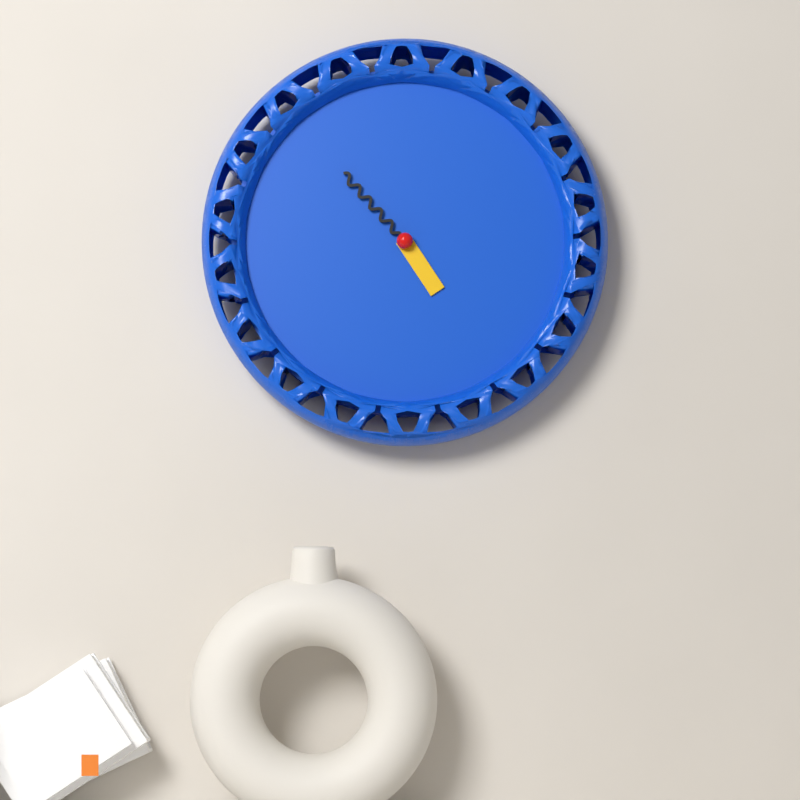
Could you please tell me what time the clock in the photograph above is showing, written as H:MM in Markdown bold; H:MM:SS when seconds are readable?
**4:53**
